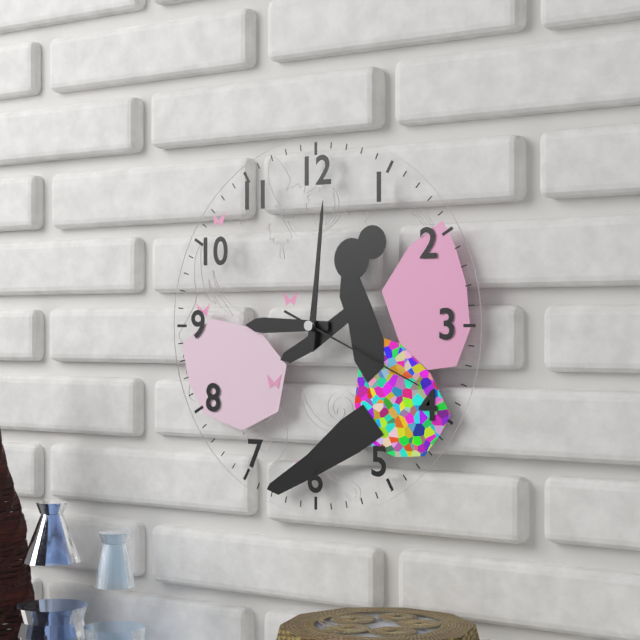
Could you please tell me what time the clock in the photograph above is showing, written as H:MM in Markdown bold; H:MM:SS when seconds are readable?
**9:01:19**
